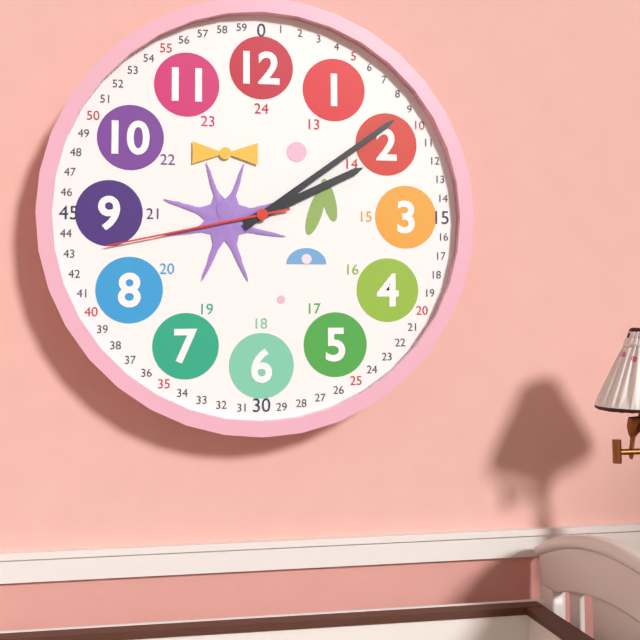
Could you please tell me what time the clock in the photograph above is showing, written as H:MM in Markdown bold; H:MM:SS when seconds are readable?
**2:09:43**
